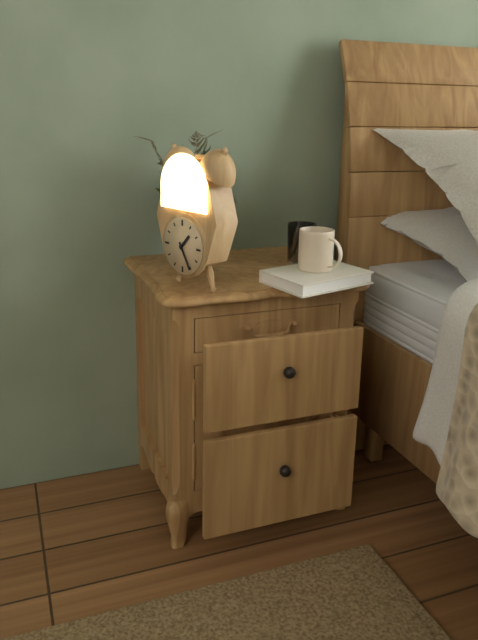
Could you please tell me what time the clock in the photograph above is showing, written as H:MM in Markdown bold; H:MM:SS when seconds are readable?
**1:25**
